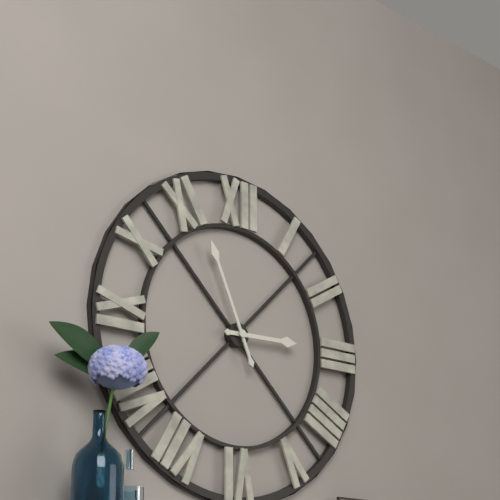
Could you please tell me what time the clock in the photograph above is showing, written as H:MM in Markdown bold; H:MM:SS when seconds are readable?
**2:56**
